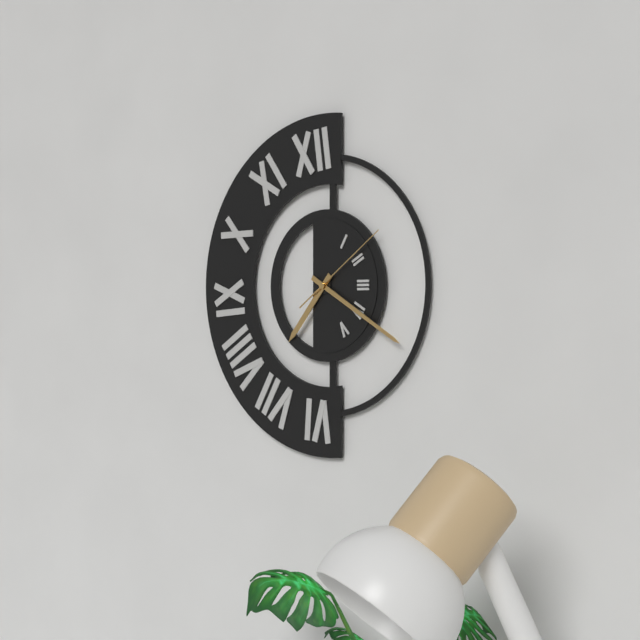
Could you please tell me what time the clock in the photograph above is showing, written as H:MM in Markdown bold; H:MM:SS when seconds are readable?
**7:20:09**
